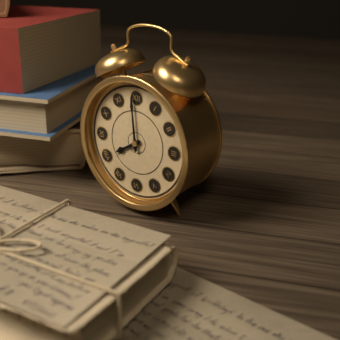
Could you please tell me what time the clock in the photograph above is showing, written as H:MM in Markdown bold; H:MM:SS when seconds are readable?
**7:59**
